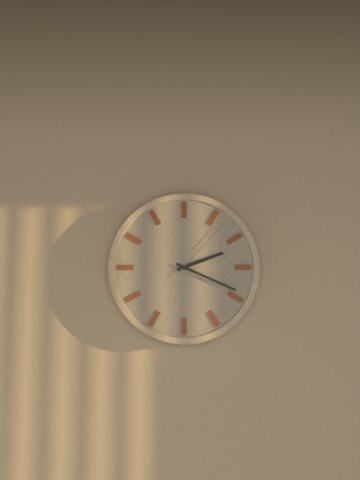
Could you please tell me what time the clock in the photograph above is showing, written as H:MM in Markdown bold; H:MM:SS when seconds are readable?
**2:19:07**
